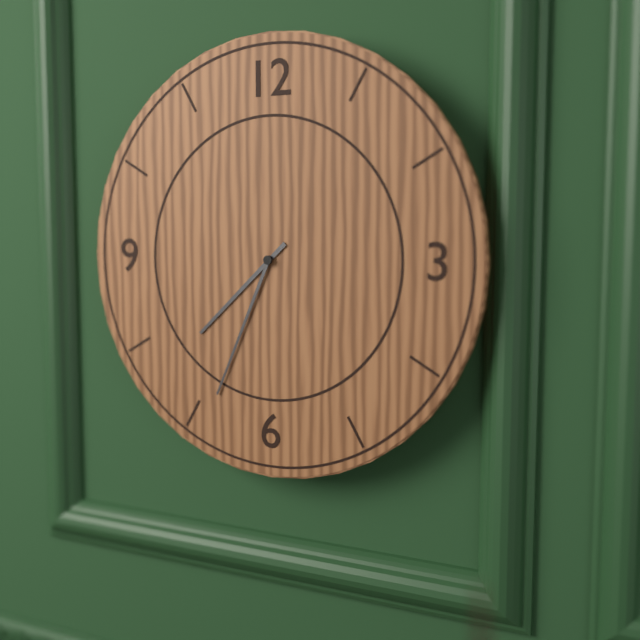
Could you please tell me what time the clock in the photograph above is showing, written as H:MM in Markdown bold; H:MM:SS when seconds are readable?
**7:34**
